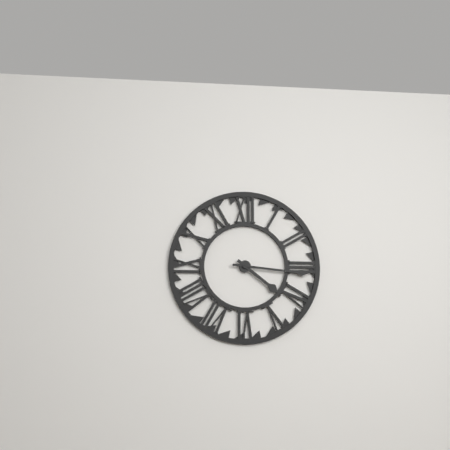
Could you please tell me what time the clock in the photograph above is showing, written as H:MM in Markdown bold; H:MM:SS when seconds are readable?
**4:16**
